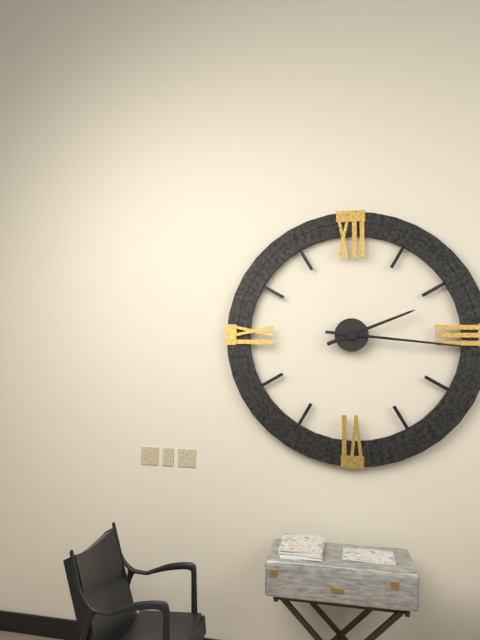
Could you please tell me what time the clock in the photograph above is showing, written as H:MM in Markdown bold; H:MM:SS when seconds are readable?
**2:16**
